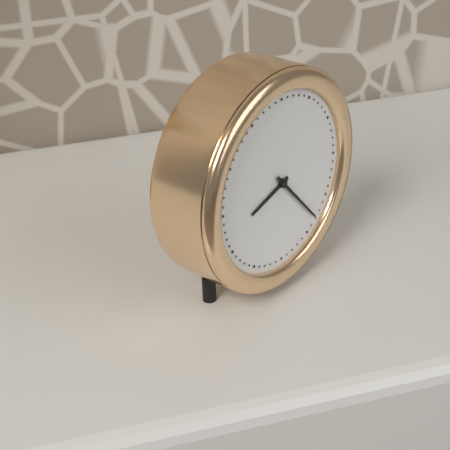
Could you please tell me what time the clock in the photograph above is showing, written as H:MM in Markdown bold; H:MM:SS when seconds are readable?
**8:23**
